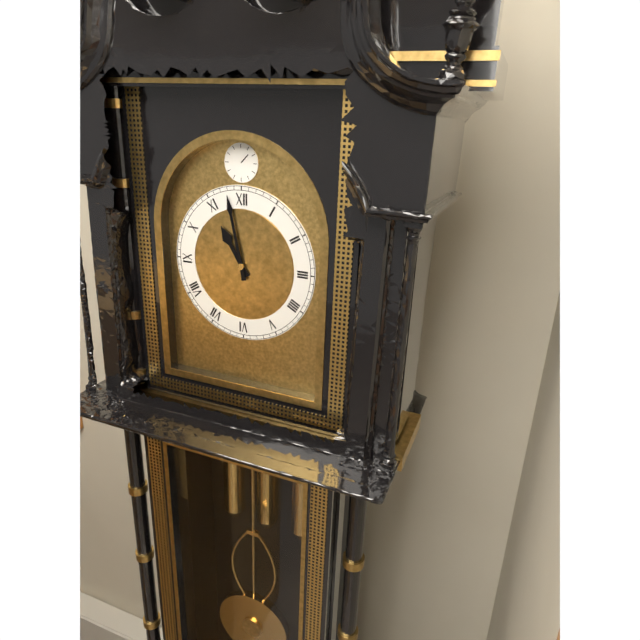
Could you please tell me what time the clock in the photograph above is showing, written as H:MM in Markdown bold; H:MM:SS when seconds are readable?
**10:58**
